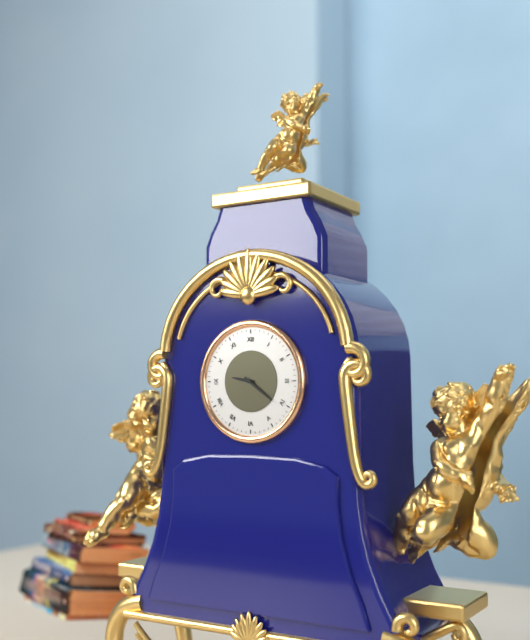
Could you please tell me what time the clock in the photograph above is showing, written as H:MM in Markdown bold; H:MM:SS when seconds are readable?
**9:21**
